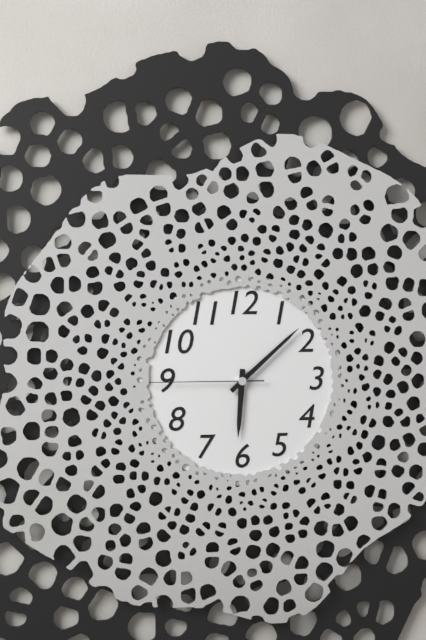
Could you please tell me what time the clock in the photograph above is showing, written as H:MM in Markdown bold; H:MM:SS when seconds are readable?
**6:08:45**
